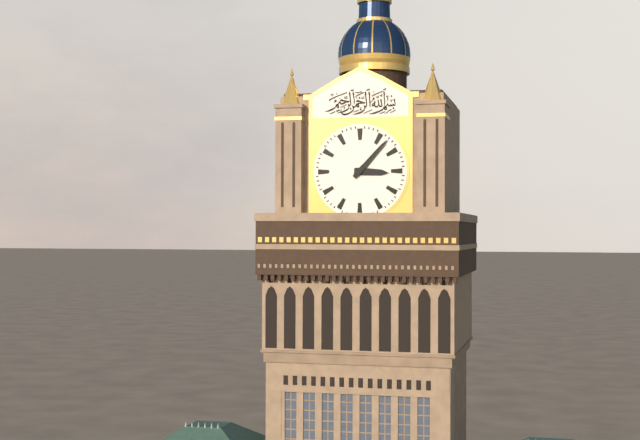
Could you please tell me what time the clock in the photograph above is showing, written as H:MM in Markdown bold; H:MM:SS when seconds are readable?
**3:07**
